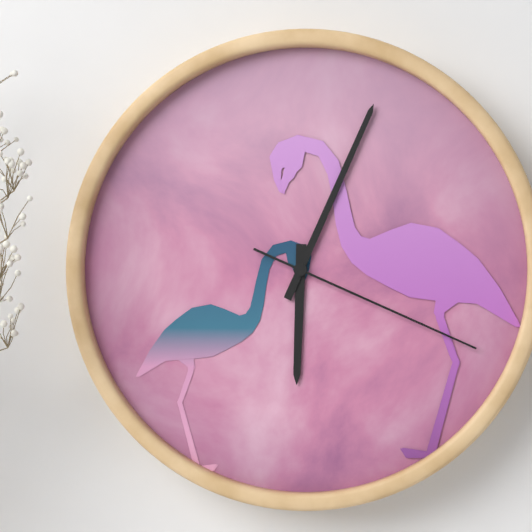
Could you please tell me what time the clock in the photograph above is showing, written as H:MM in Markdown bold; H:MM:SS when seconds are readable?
**6:04:19**
